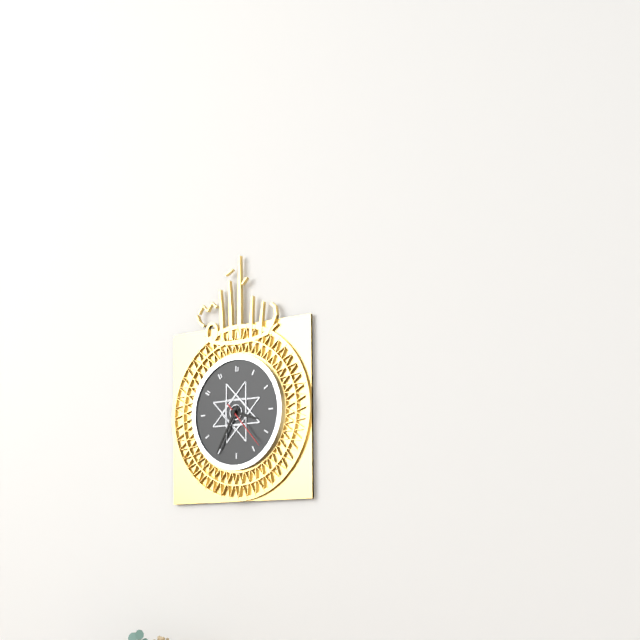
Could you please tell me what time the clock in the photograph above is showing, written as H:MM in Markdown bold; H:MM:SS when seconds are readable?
**3:35**
